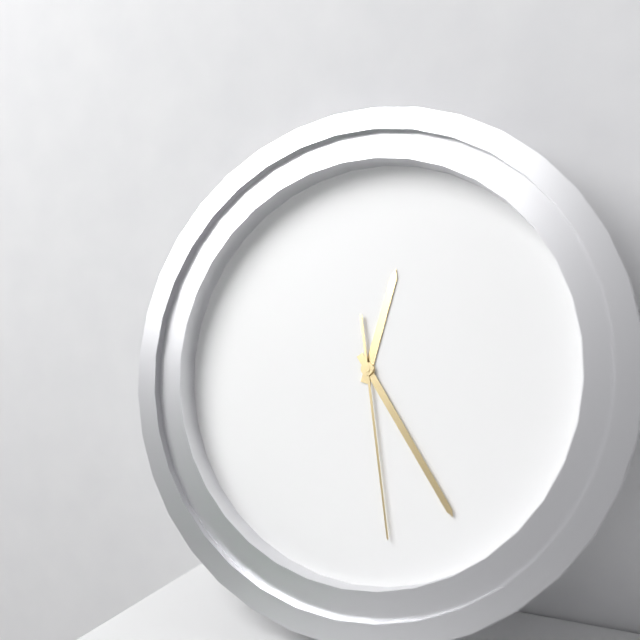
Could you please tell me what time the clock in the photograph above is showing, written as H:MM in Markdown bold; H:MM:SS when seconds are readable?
**12:24:28**
